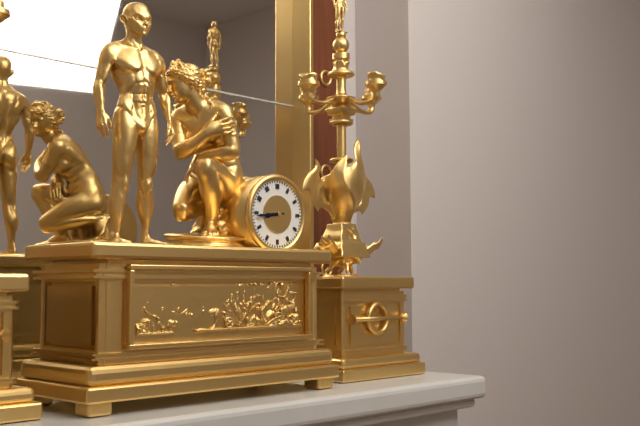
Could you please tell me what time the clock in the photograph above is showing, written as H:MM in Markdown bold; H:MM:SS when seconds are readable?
**8:44**
